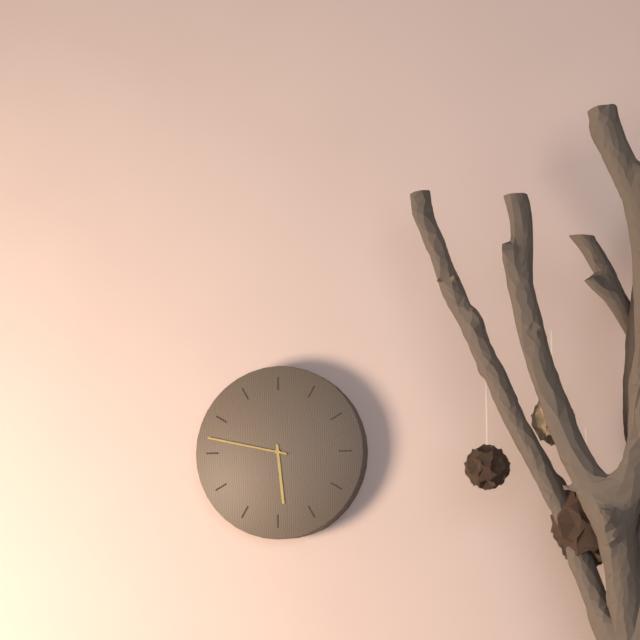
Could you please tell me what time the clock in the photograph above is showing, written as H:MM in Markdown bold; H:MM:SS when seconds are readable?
**5:47**
